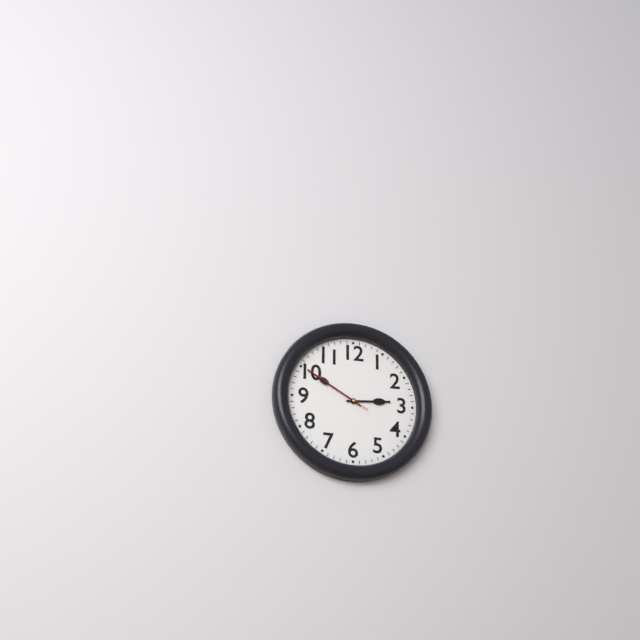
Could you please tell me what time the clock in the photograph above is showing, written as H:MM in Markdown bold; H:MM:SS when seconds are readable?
**2:50:50**
